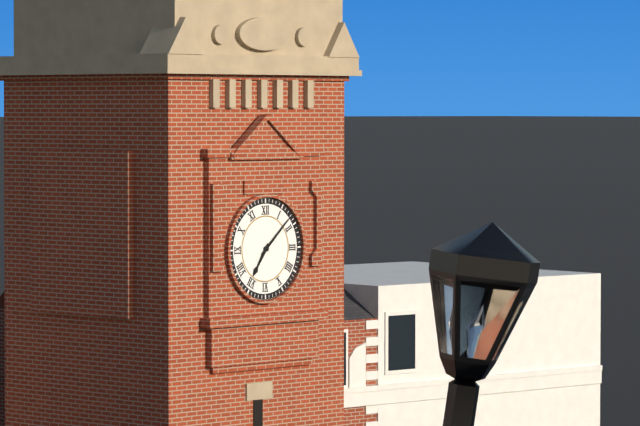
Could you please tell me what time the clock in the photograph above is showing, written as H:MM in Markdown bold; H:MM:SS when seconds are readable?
**7:08**
